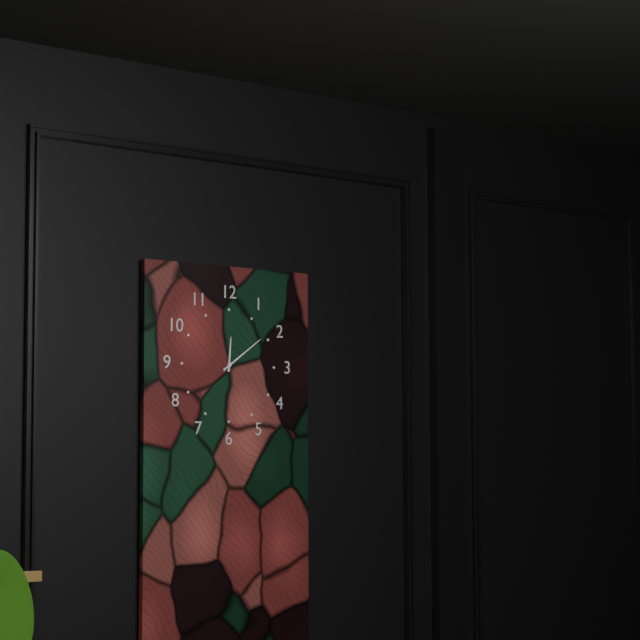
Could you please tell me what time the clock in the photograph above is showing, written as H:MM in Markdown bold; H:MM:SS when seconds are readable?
**12:09**
